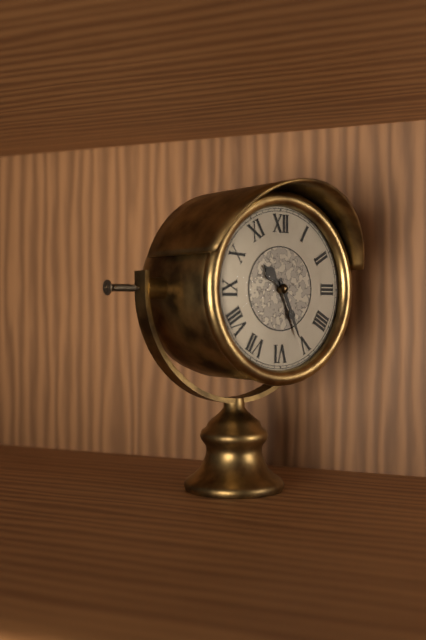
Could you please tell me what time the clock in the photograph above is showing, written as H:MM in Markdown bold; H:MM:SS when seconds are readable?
**10:26**
